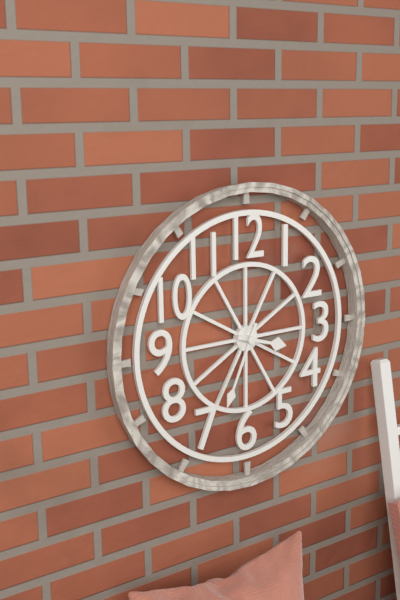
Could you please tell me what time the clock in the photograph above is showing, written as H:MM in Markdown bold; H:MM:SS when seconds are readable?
**3:34**
